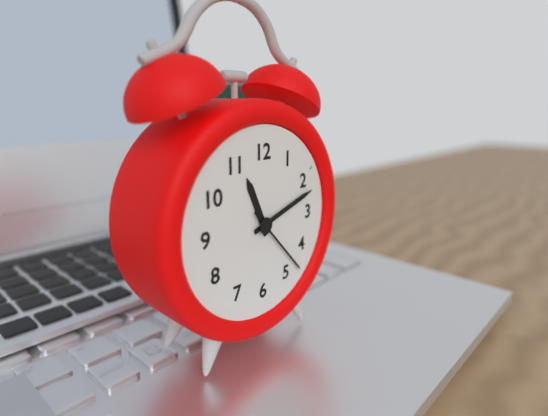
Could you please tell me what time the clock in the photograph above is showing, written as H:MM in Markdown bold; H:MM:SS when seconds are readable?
**11:12:23**
